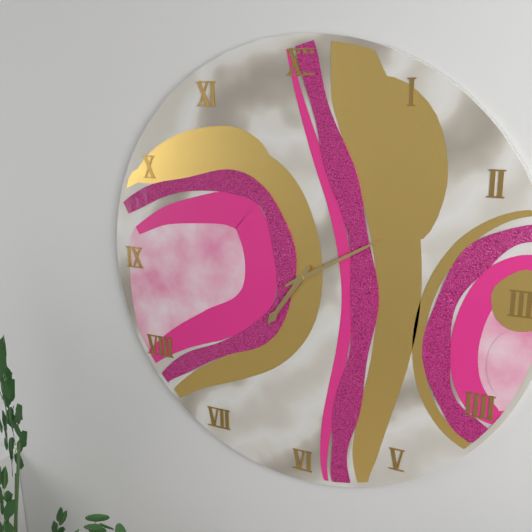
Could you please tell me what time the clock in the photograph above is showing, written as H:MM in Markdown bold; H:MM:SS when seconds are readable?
**7:10**
